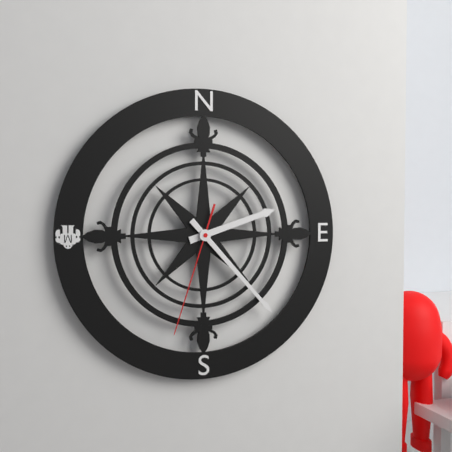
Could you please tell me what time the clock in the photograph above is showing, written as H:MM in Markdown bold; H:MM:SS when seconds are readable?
**2:23:33**
